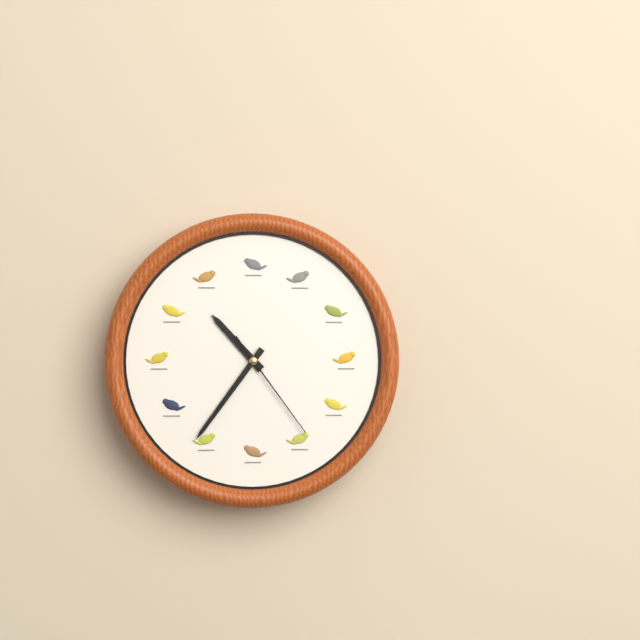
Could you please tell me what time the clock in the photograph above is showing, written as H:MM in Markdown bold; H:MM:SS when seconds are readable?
**10:36:24**
